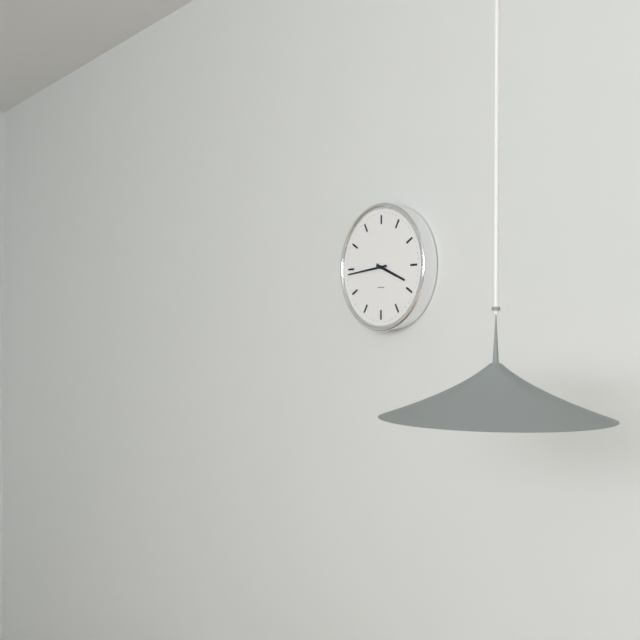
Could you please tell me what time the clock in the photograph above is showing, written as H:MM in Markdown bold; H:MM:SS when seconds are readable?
**3:44**
